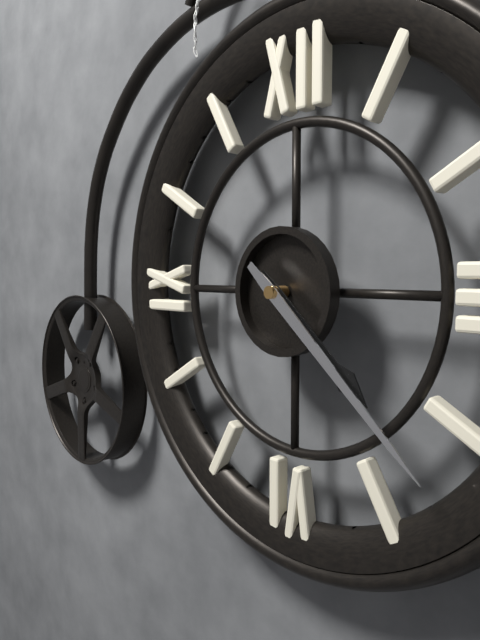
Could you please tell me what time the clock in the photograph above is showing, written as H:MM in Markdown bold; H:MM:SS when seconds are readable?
**4:22**
